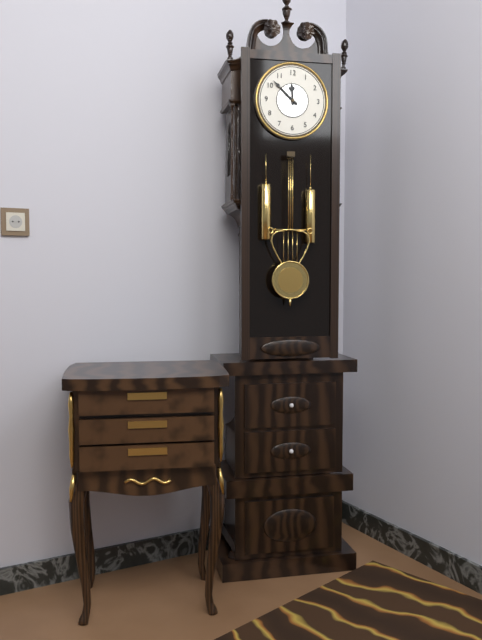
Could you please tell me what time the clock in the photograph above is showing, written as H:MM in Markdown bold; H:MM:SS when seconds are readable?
**11:52**
